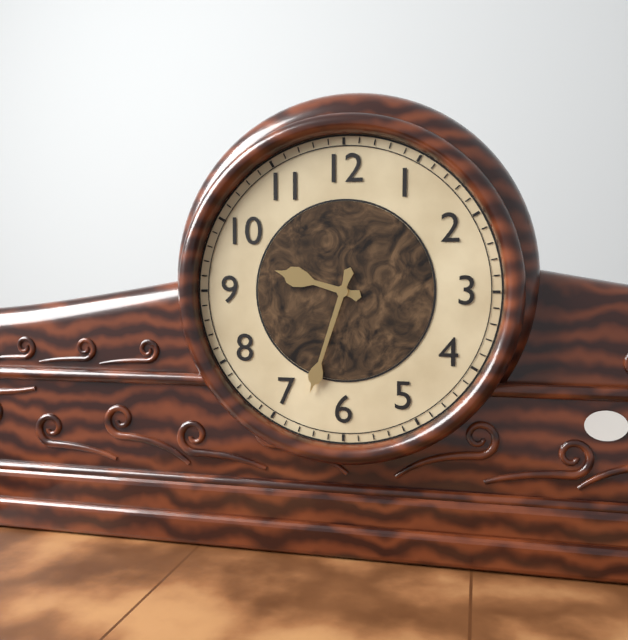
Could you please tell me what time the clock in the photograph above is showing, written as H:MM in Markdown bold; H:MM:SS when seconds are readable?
**9:33**
